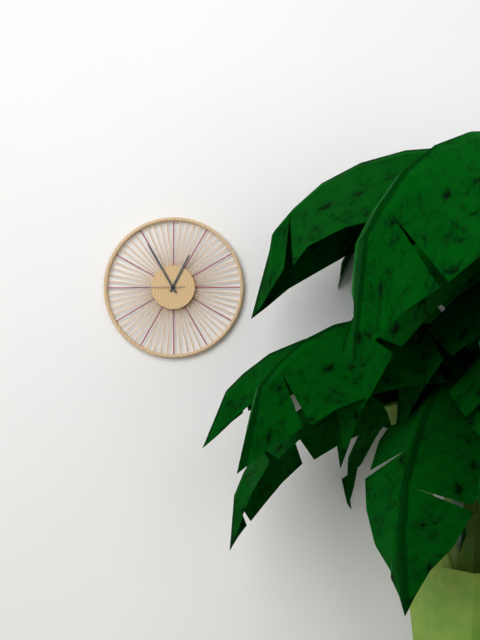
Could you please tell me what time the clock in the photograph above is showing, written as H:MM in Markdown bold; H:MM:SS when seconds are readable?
**12:55:45**
